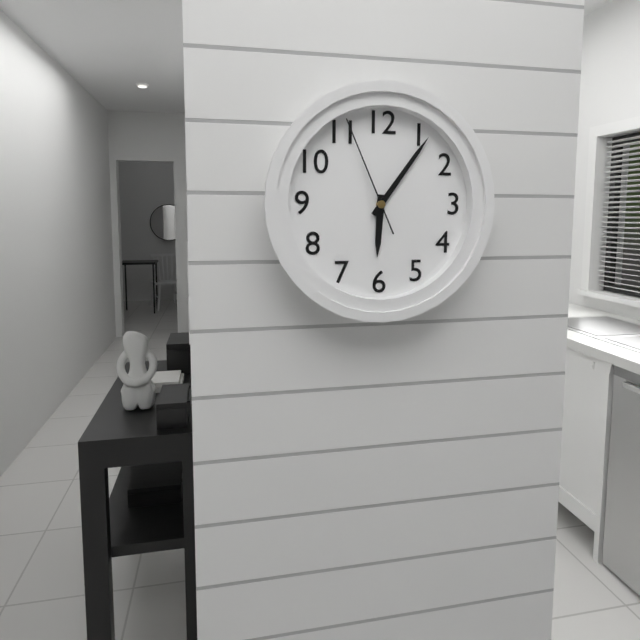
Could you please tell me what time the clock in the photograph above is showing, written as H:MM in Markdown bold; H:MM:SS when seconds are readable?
**6:06:56**
